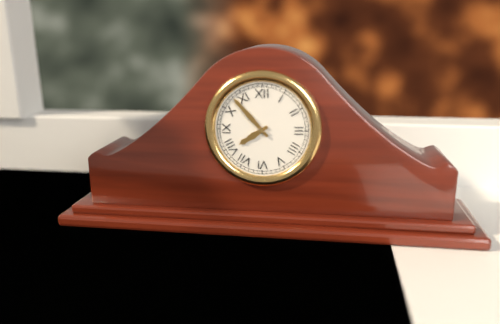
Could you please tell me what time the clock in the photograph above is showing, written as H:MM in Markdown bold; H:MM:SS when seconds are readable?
**7:53**
